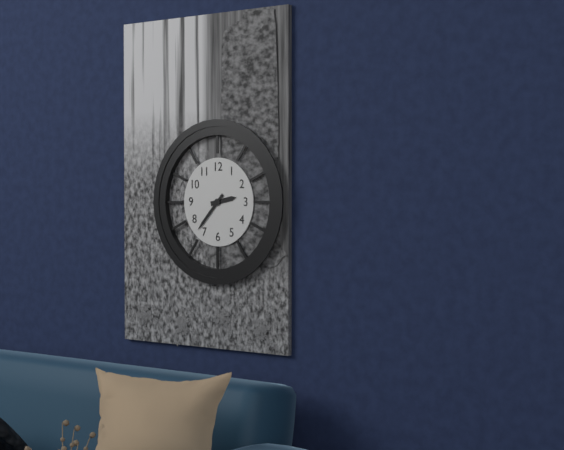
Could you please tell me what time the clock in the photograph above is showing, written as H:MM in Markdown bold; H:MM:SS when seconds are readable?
**2:37**
